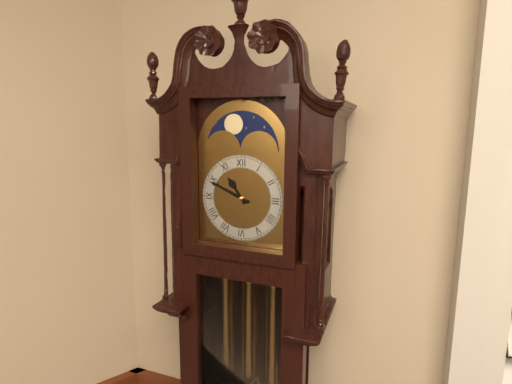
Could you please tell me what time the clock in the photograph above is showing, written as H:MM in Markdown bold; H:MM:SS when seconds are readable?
**10:49**
